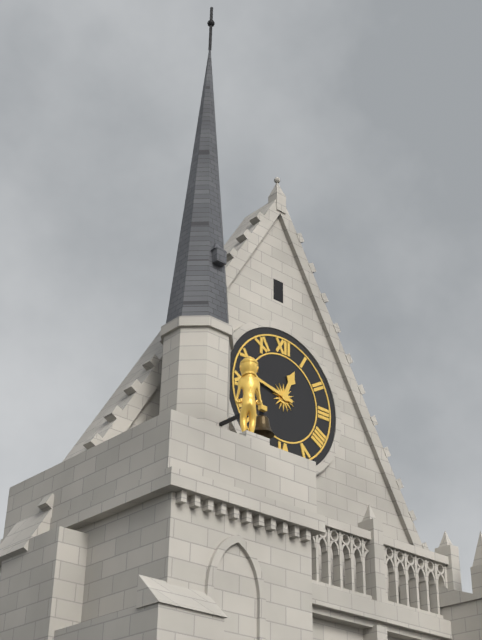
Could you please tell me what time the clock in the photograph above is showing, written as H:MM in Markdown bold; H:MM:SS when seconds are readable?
**12:47**
